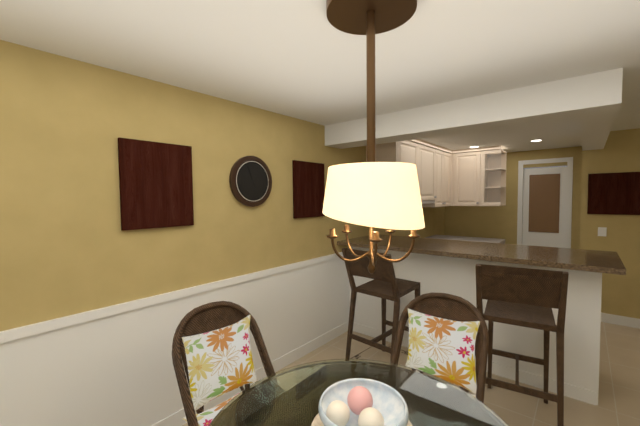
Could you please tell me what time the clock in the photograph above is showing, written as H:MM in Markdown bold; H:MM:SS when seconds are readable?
**4:56**
